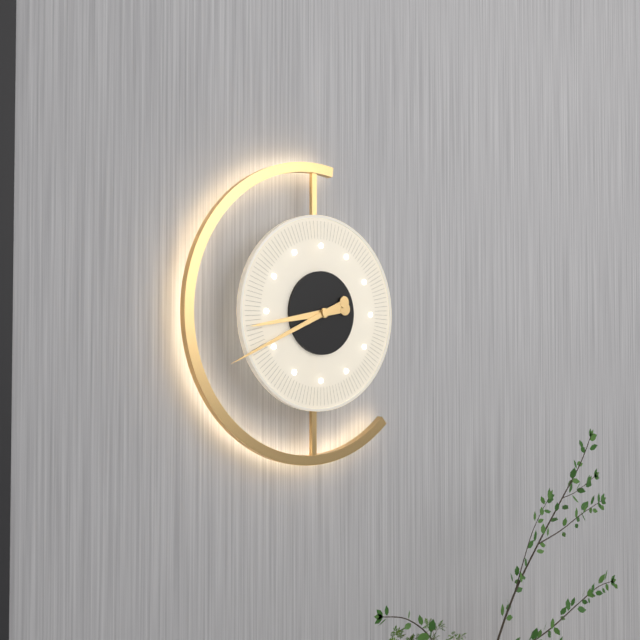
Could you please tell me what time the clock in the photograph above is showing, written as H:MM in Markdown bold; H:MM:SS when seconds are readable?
**8:41**
